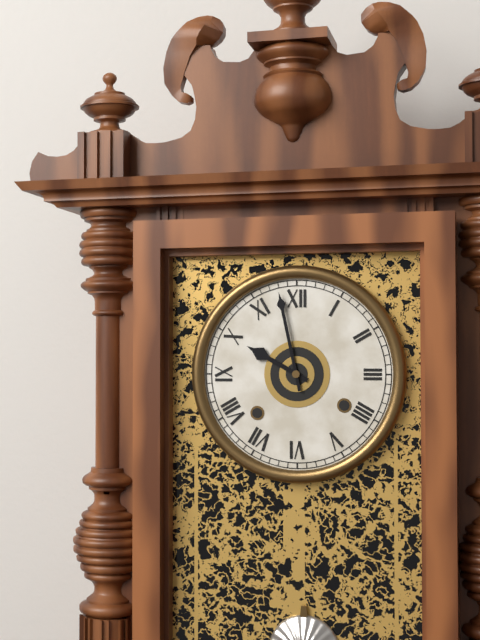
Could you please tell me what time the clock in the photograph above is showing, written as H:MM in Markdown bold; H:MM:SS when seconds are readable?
**9:58**
